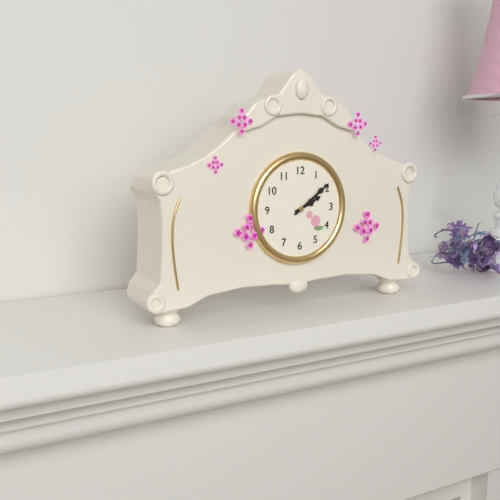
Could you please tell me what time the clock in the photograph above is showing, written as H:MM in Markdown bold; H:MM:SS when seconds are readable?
**2:09**
